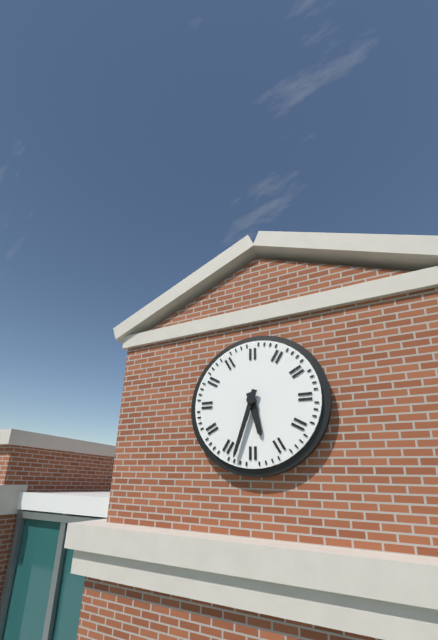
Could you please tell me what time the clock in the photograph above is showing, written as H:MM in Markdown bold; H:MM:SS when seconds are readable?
**5:33**
